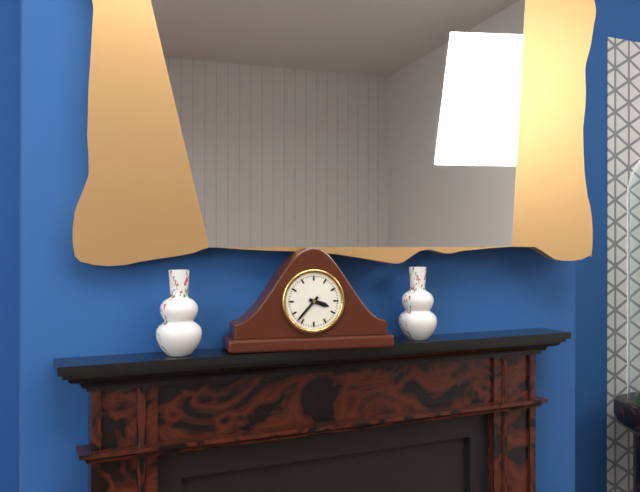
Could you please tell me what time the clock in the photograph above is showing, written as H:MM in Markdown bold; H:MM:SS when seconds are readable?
**3:37**
